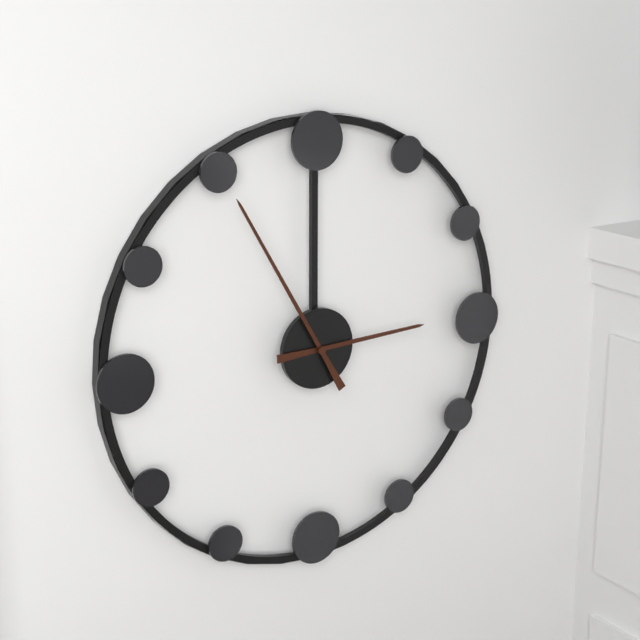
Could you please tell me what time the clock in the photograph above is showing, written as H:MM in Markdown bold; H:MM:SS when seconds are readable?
**2:55**
